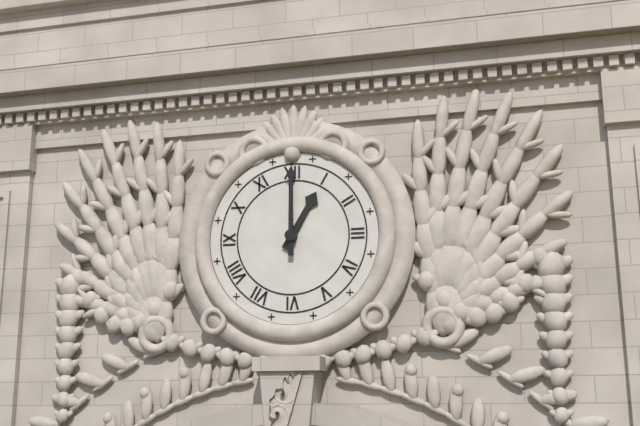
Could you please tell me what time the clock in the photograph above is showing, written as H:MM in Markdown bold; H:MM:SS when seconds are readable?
**1:00**
